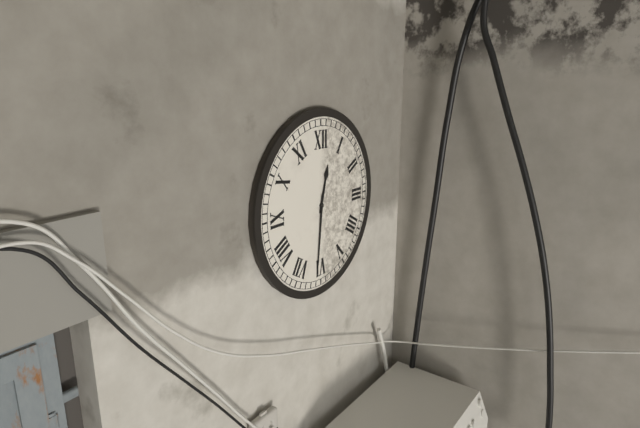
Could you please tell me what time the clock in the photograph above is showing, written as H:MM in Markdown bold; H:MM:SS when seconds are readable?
**12:31**
